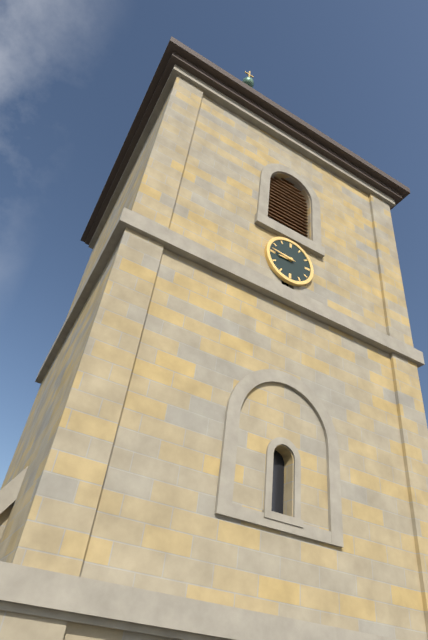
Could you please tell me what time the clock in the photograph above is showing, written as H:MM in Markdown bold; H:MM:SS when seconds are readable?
**8:46**
